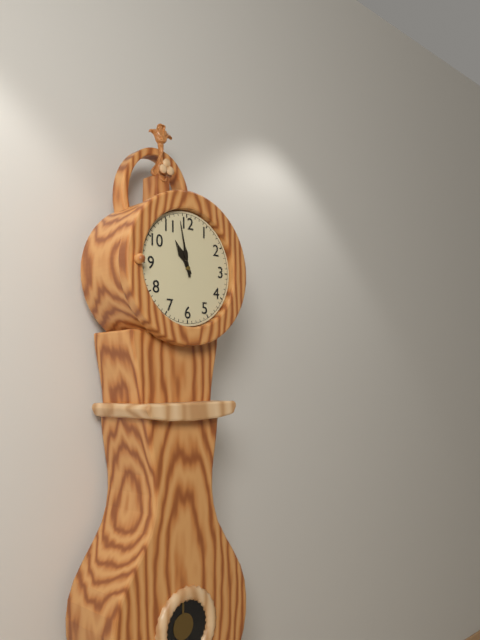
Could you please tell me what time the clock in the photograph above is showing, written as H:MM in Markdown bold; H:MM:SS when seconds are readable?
**10:58**
